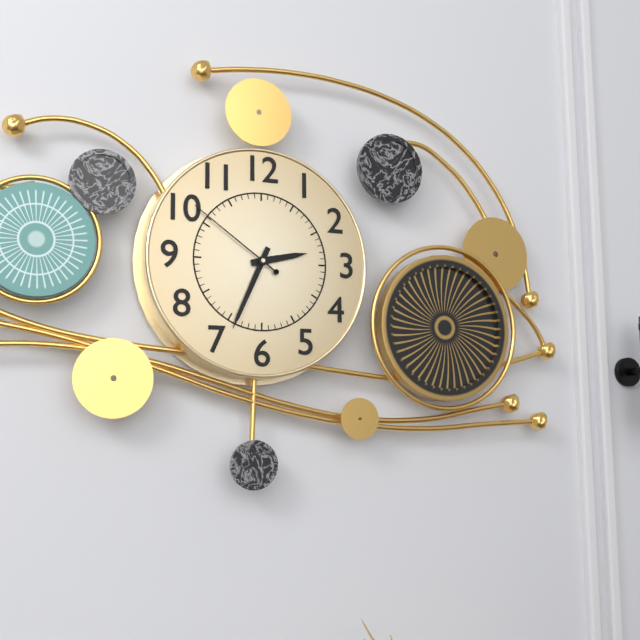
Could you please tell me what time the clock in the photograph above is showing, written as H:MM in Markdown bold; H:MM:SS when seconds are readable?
**2:34:51**
